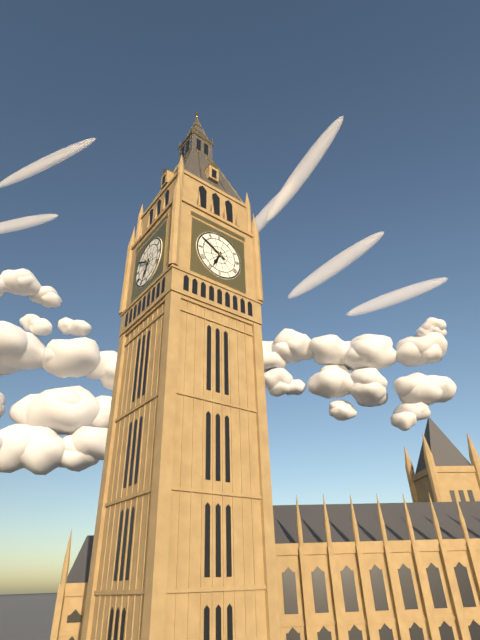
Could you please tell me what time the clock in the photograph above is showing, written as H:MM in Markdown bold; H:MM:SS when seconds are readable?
**6:50**
